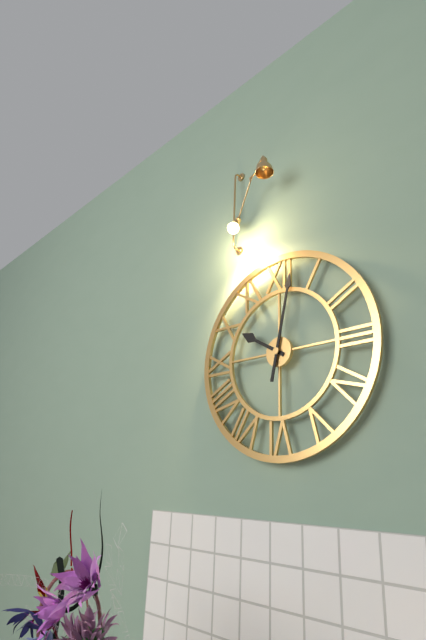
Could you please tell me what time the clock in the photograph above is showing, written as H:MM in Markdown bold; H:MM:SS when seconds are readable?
**10:02**
